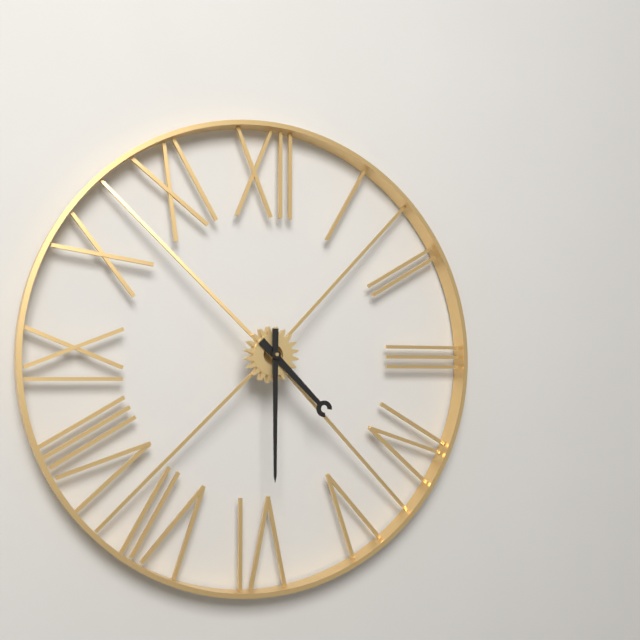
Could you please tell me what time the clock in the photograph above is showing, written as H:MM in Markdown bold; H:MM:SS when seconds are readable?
**4:30**
